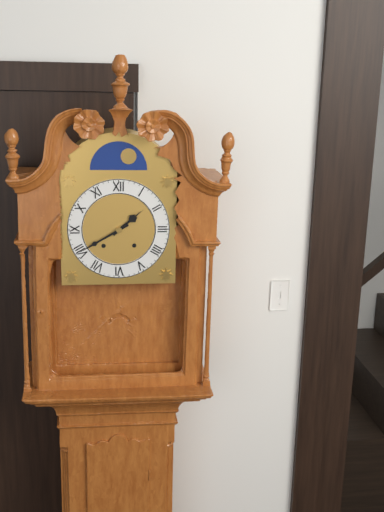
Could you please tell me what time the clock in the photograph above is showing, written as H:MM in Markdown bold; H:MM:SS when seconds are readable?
**1:40**
